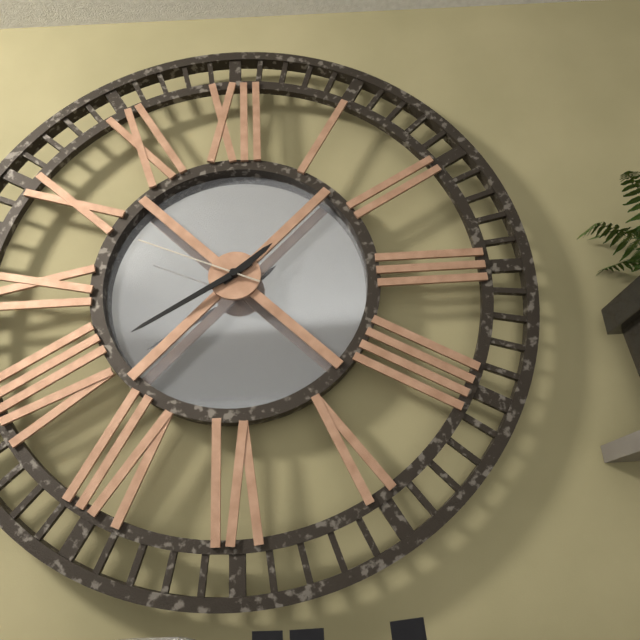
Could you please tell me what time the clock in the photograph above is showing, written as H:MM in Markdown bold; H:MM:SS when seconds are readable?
**1:40:49**
